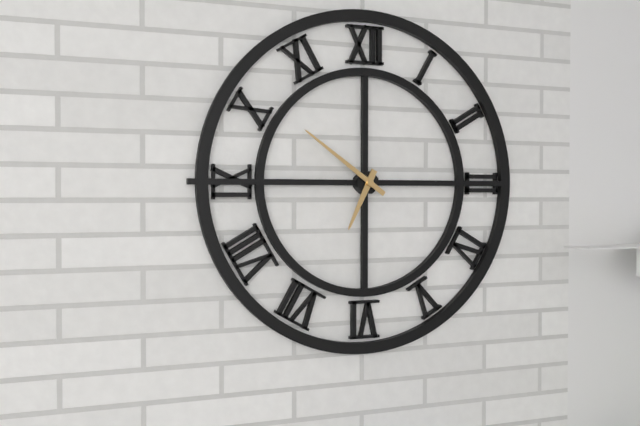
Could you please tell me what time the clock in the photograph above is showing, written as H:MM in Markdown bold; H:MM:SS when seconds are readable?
**6:51**
